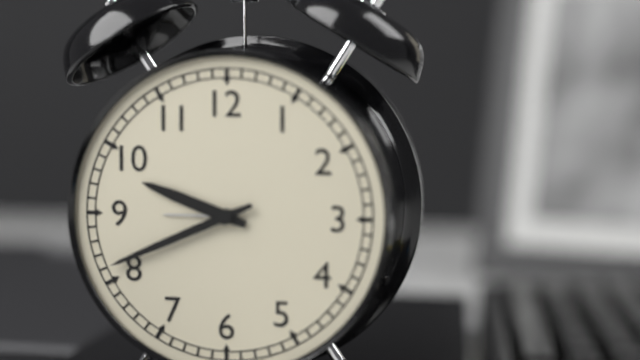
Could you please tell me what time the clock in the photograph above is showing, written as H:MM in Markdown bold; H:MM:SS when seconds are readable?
**9:41**
